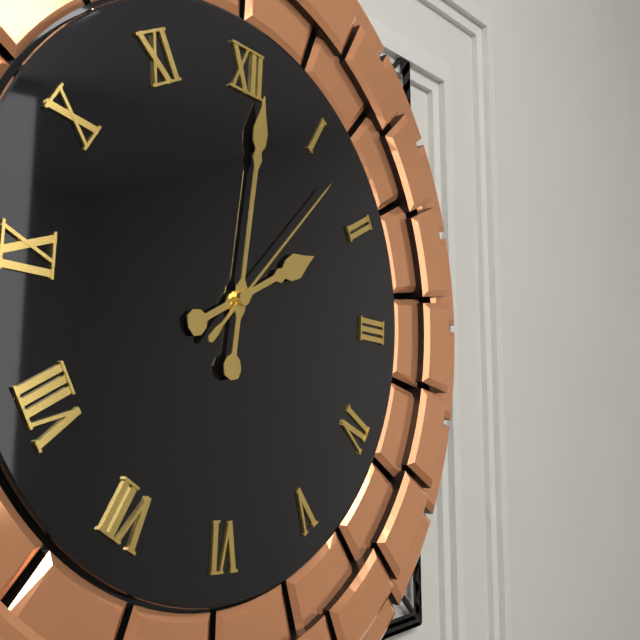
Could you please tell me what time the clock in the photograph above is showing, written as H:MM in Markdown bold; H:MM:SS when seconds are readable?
**2:01:07**
